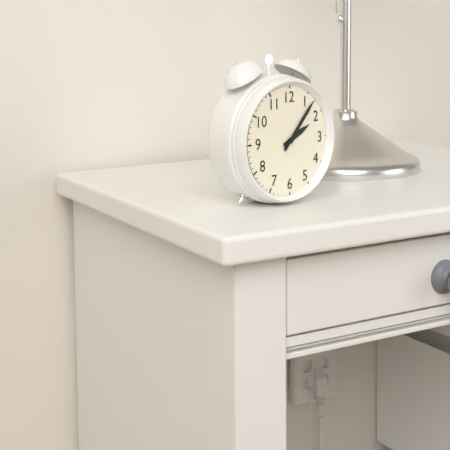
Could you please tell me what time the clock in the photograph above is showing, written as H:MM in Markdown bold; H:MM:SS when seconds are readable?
**2:07**
